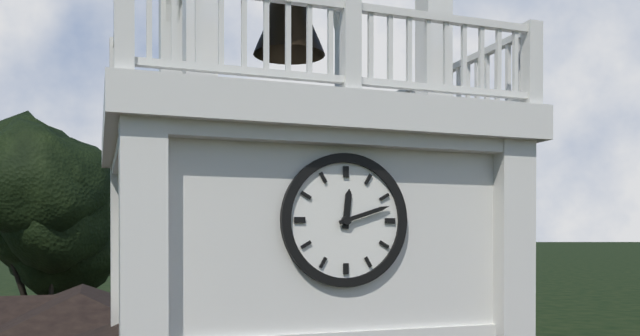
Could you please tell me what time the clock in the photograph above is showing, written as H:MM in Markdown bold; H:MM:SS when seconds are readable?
**12:12**
